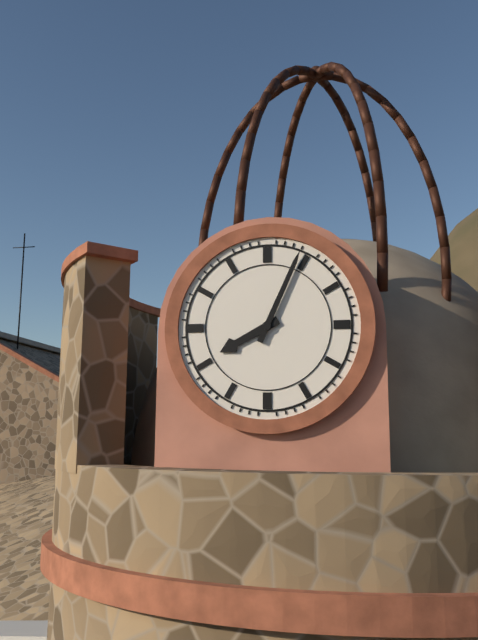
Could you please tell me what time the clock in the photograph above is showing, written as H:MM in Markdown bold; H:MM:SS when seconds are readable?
**8:04**
